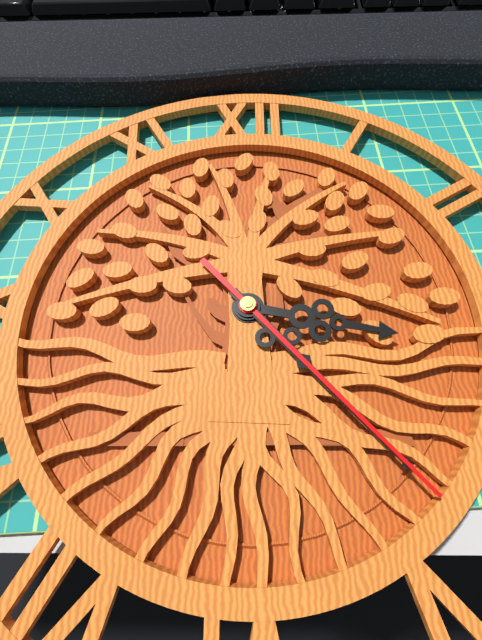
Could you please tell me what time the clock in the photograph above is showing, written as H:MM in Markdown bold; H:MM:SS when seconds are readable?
**3:23:23**
